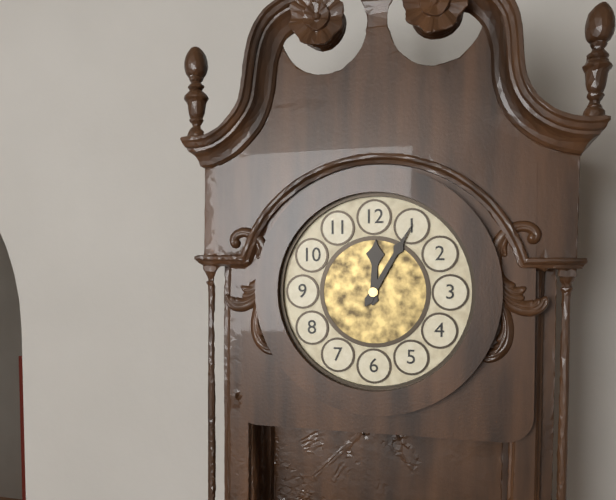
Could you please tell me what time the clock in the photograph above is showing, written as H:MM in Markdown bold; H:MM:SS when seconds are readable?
**12:05**
